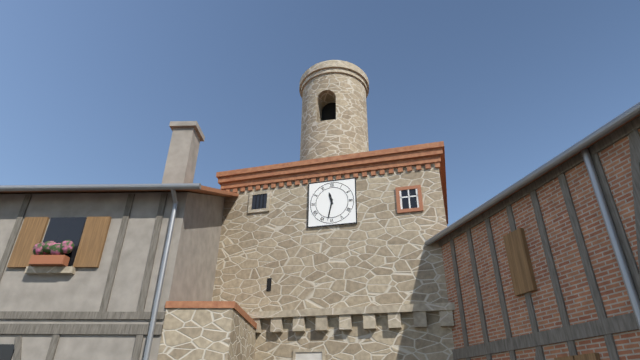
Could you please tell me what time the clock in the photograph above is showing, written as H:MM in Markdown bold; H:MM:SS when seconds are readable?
**11:32**
